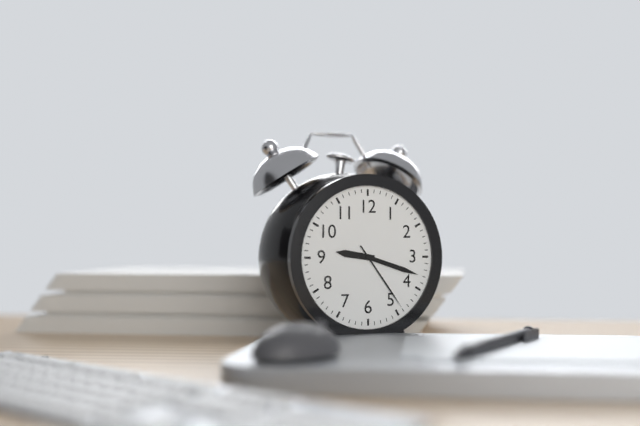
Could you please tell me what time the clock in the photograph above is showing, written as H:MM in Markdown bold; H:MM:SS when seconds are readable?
**9:18:24**
